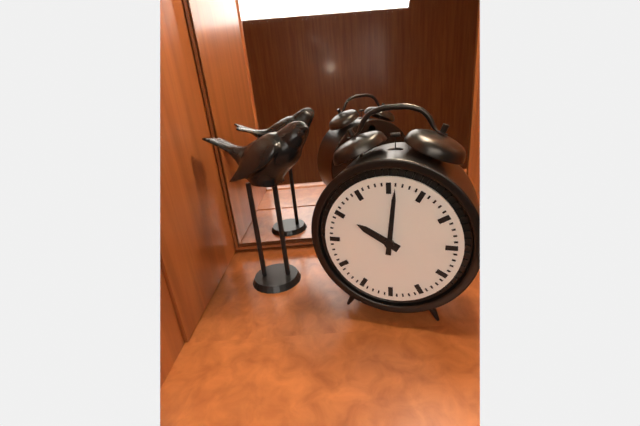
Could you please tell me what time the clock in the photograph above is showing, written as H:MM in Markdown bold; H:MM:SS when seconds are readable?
**10:01**
